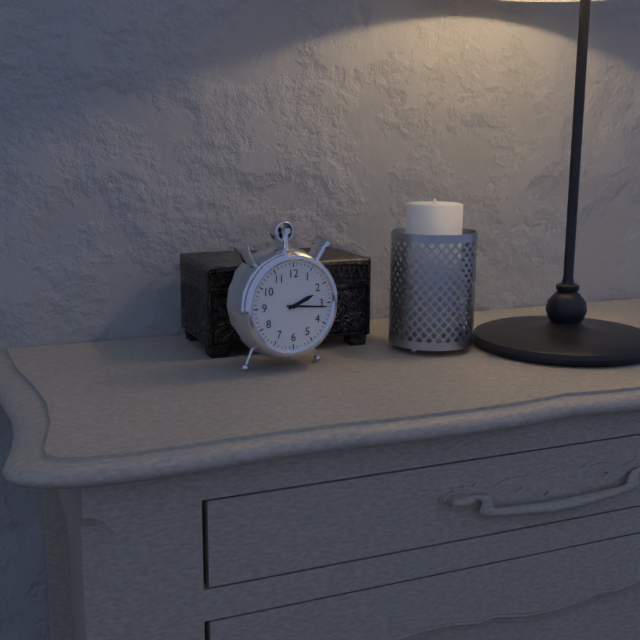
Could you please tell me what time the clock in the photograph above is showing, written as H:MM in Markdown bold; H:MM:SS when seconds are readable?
**2:16**
